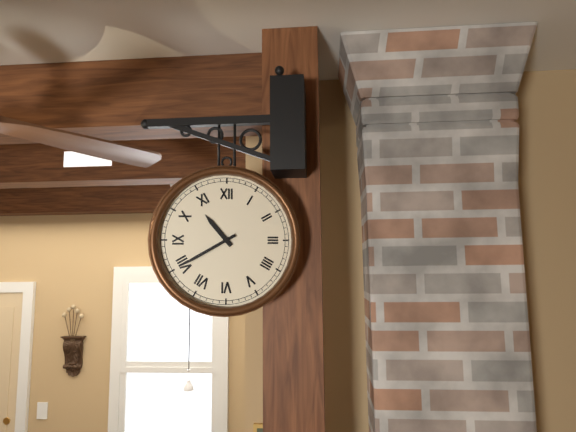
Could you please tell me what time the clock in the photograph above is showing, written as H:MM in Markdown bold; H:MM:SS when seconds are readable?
**10:40**
